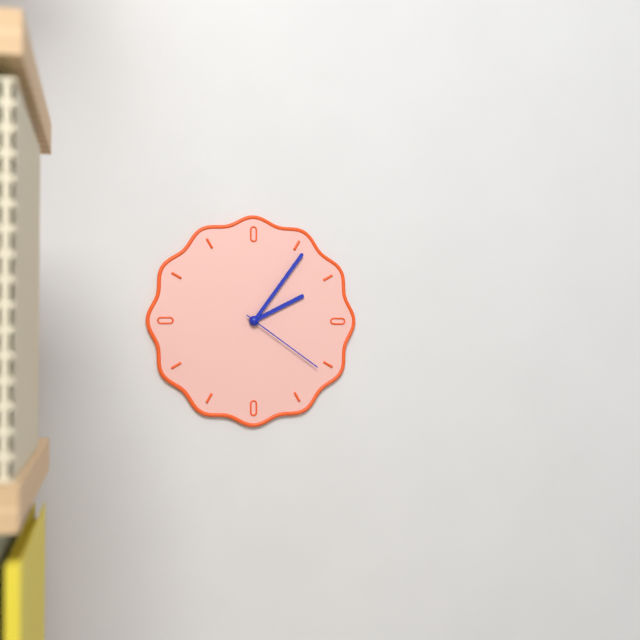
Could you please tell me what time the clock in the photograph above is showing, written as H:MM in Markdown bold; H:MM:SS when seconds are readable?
**2:06:21**
